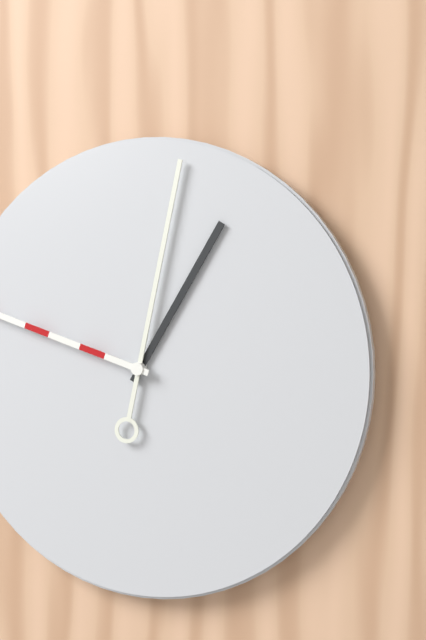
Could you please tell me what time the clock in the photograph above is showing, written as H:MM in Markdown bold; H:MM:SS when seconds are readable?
**1:02**
